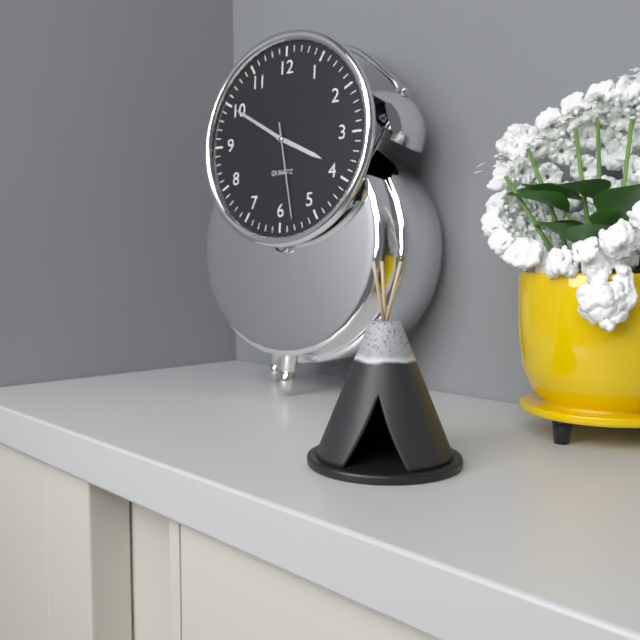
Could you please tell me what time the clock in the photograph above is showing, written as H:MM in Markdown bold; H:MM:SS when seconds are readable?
**3:50:28**
